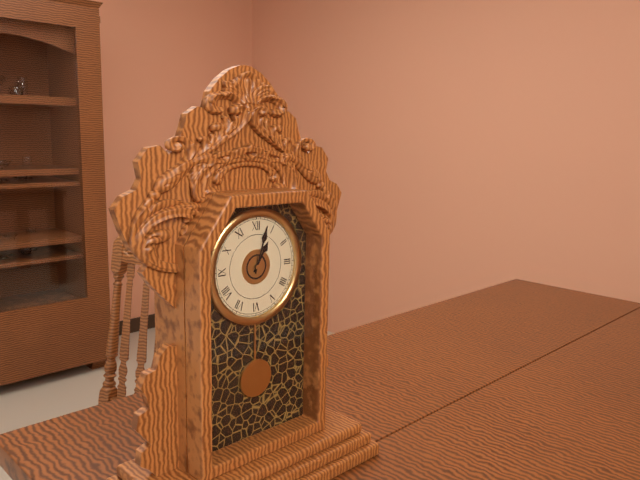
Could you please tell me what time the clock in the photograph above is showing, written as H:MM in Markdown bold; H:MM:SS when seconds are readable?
**1:03**
